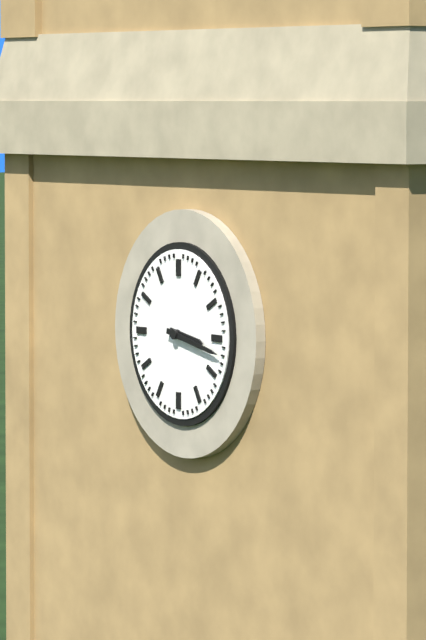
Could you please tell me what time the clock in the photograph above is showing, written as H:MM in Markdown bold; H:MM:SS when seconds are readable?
**3:17**
